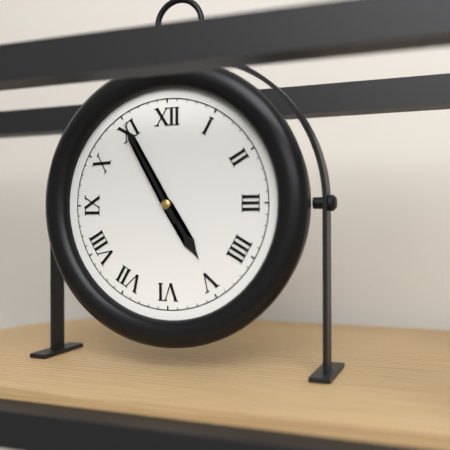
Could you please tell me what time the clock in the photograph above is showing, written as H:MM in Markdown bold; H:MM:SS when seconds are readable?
**4:55**
